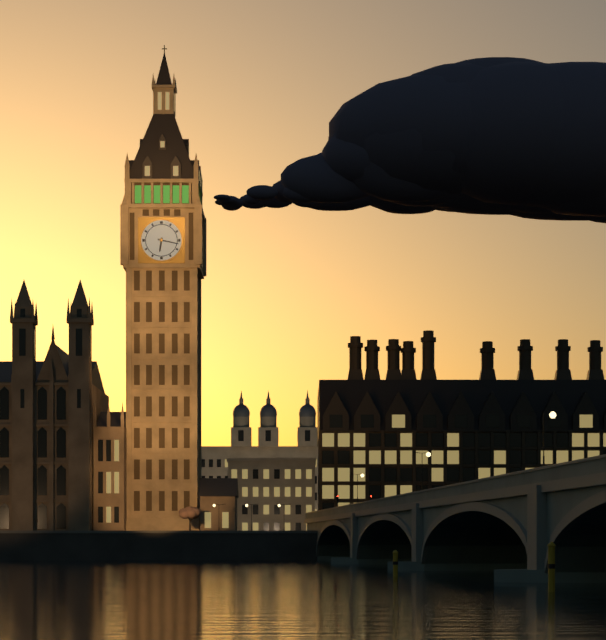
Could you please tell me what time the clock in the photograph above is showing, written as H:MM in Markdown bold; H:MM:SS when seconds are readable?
**6:17**
